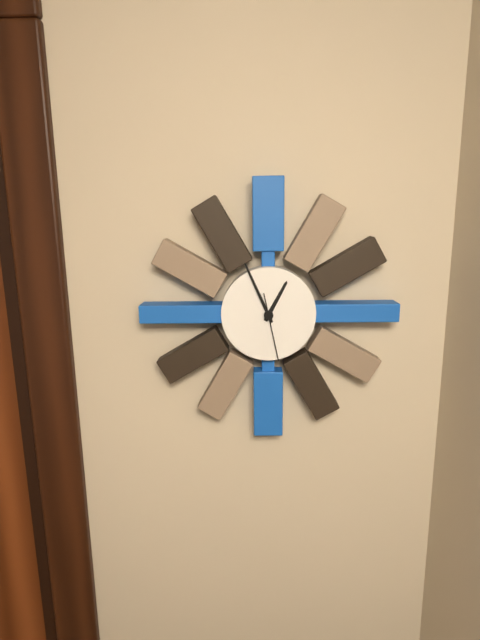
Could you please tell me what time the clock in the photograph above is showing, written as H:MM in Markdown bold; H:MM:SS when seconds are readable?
**12:56:28**
